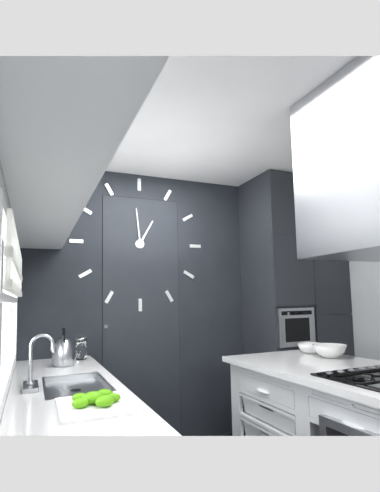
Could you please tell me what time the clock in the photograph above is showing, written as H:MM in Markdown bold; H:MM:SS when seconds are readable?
**12:59**
